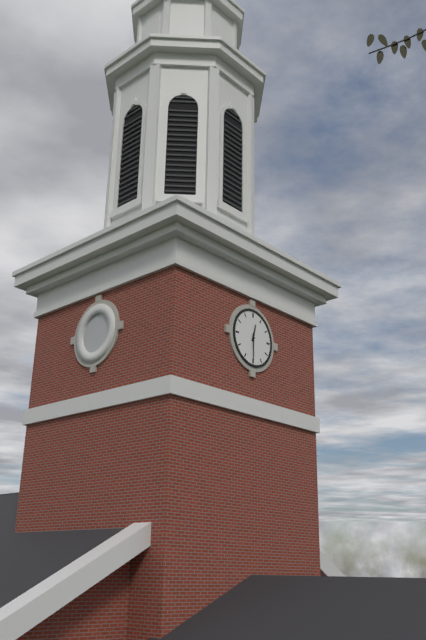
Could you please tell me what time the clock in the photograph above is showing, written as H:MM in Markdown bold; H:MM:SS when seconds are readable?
**12:30**
